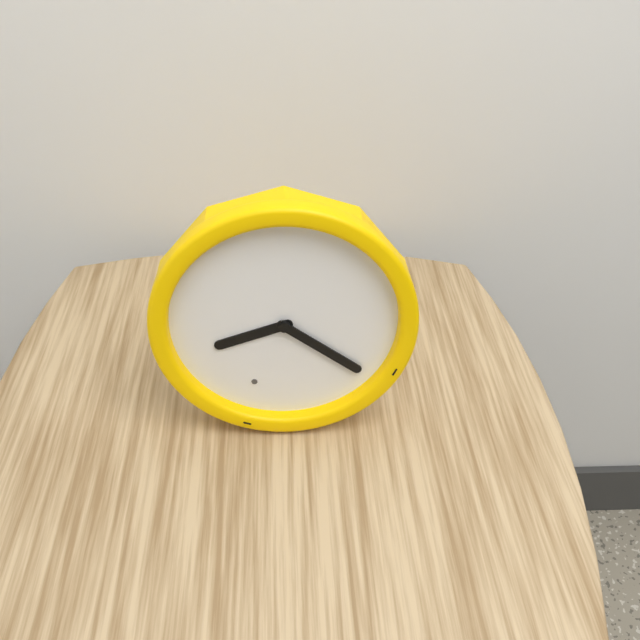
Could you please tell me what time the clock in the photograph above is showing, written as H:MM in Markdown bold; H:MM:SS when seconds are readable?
**8:21**
